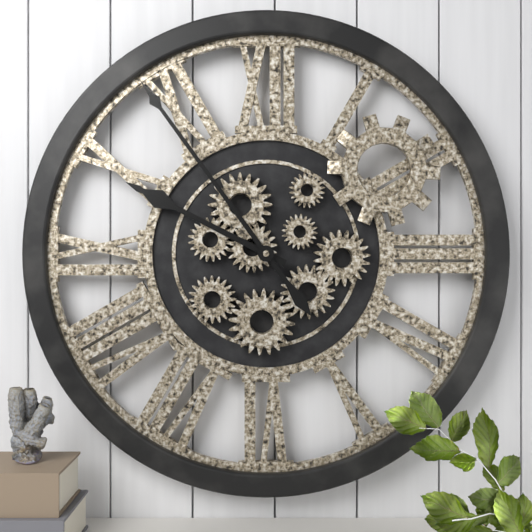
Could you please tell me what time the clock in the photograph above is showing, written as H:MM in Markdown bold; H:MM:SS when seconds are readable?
**9:54**
